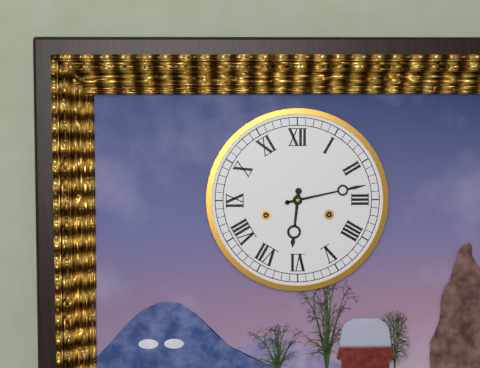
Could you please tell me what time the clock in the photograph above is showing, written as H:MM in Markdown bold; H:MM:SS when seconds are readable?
**6:13**
